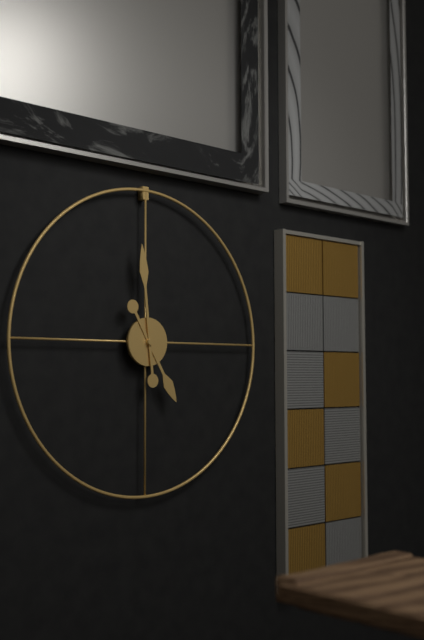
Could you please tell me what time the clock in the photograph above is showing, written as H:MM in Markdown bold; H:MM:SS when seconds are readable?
**4:59**
